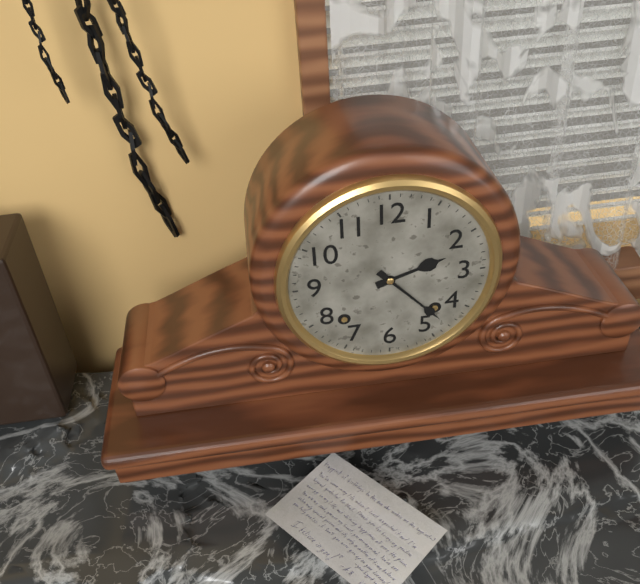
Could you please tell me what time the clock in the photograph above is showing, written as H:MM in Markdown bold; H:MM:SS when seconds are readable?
**2:23**
